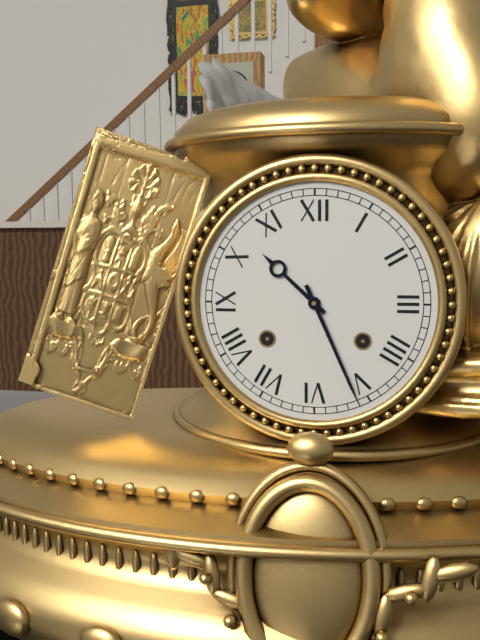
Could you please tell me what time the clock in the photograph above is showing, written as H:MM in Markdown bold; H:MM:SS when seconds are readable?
**10:26**
